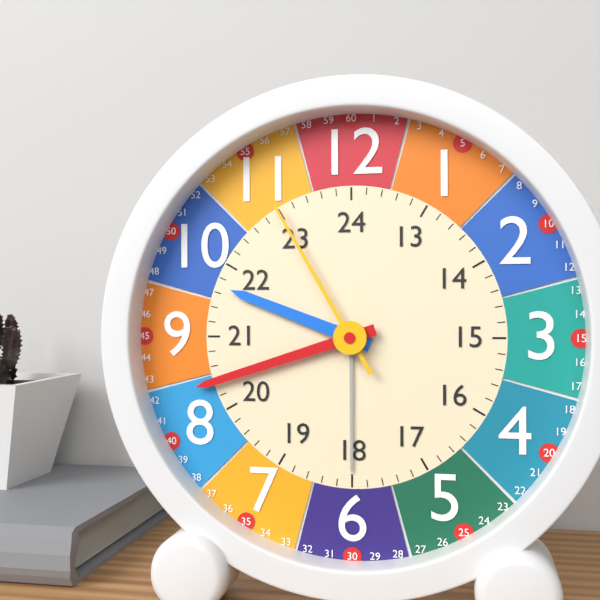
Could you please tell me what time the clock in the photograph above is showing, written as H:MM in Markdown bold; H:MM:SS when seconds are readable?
**9:42:55**
